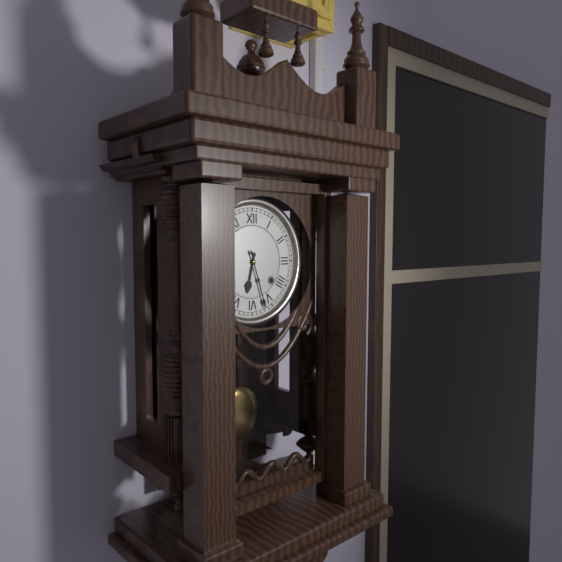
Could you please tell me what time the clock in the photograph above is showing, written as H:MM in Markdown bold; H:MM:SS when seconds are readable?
**6:27**
